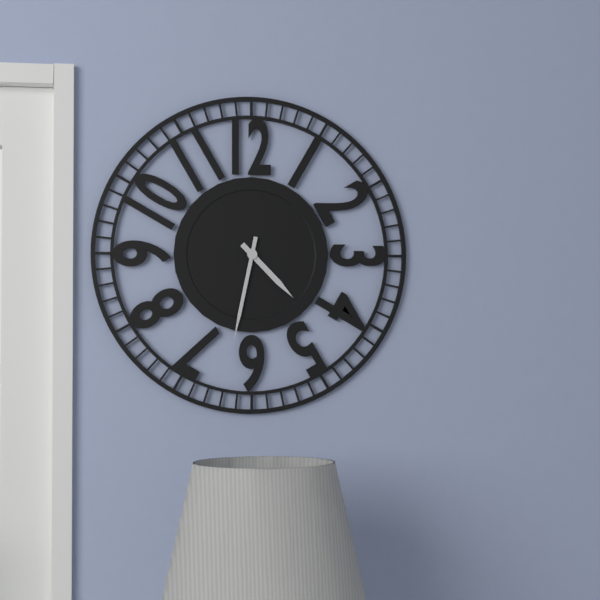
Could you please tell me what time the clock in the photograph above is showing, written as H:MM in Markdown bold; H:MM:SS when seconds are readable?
**4:32**
